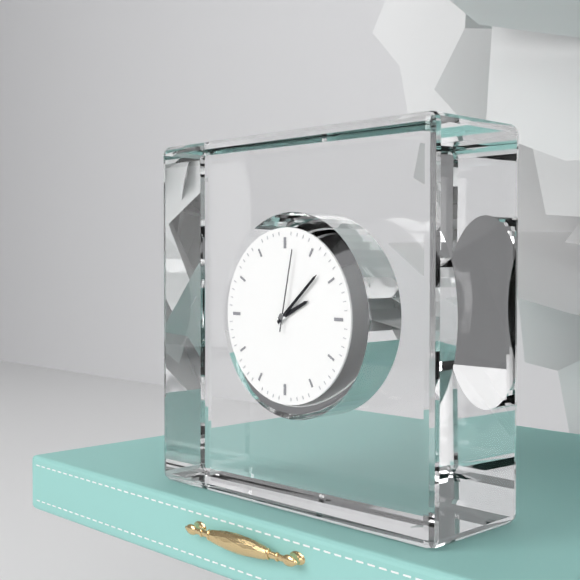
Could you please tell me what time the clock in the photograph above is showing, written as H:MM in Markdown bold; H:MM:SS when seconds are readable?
**2:08:02**
